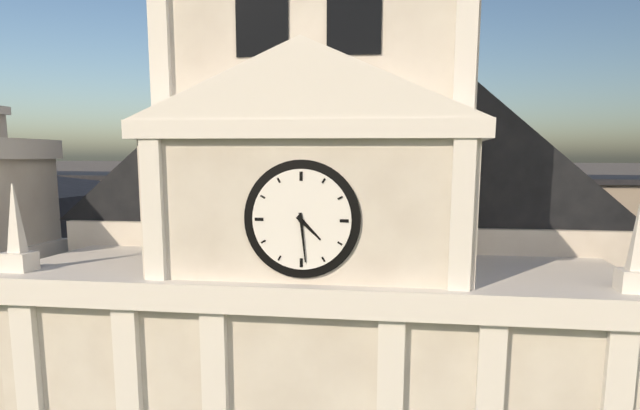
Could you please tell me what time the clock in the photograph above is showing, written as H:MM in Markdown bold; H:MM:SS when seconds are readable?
**4:29**
